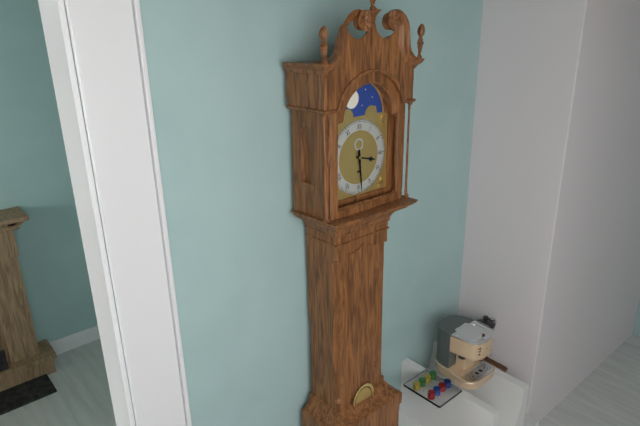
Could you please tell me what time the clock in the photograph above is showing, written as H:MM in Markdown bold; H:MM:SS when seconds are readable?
**3:29**
